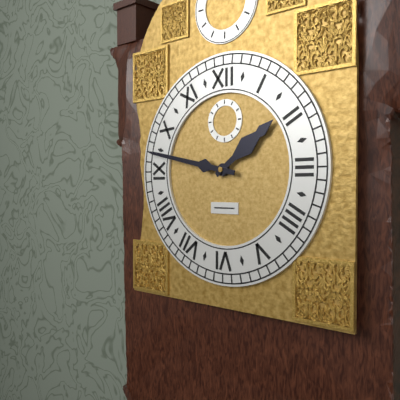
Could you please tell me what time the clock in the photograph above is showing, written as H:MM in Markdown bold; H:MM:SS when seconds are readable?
**1:47**
